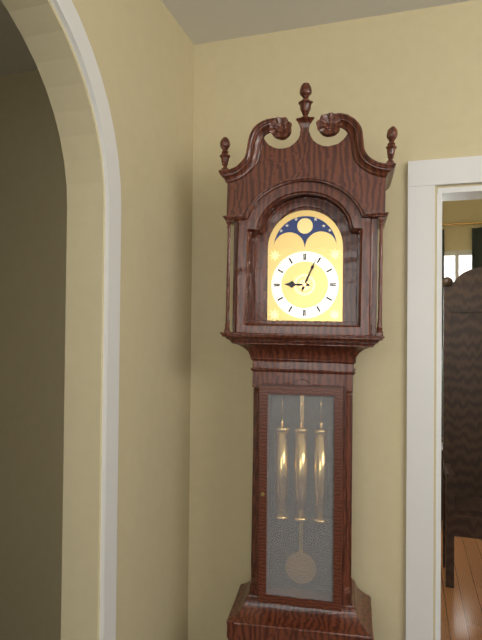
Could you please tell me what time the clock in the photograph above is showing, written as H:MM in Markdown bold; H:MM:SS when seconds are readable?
**9:04**
